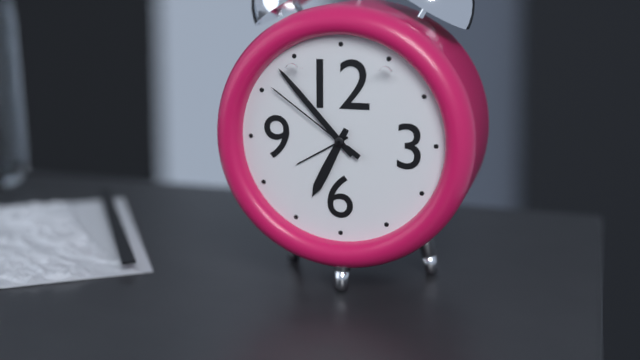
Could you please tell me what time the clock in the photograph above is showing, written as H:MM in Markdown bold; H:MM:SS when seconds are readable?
**6:53:51**
